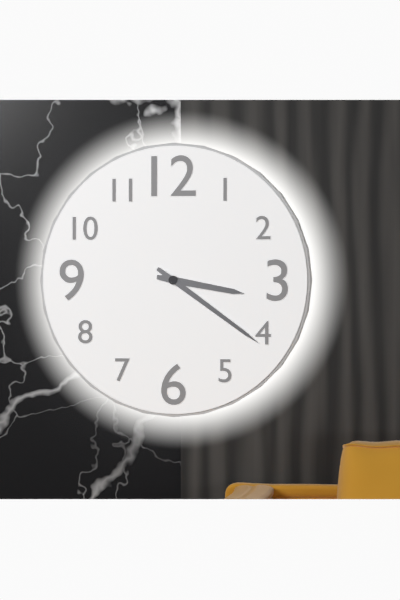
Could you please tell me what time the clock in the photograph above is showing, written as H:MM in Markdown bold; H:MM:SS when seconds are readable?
**3:21**
